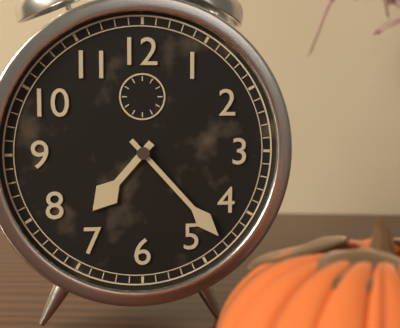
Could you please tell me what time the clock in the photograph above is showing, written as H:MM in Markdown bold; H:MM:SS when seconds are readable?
**7:23**
